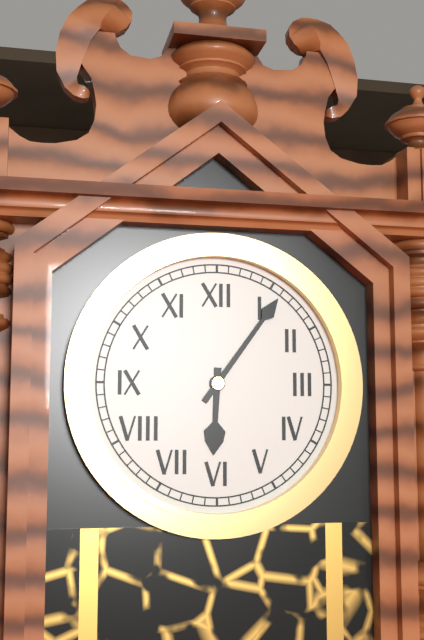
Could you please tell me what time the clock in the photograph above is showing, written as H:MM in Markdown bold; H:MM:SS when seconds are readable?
**6:06**
